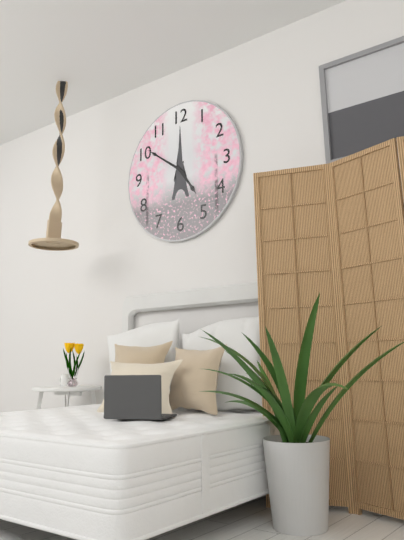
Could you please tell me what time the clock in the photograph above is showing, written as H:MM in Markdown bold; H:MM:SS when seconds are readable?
**4:51**
